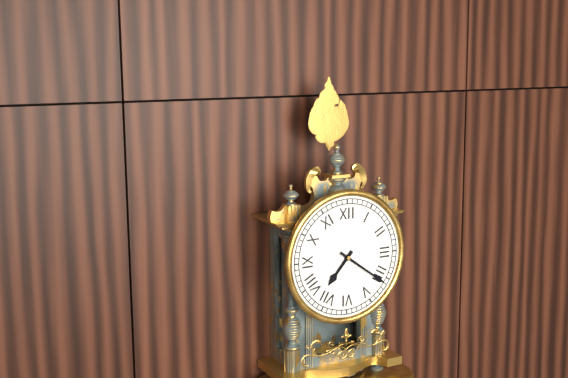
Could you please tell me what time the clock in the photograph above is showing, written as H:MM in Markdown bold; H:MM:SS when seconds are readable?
**7:21**
